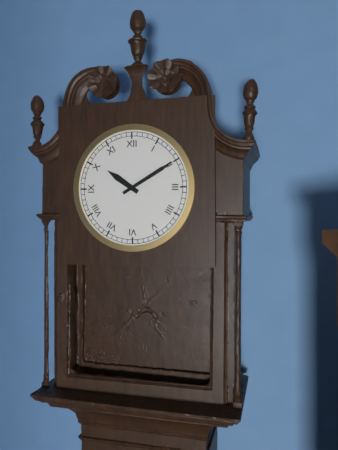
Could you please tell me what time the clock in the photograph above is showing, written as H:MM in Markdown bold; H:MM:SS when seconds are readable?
**10:10**
